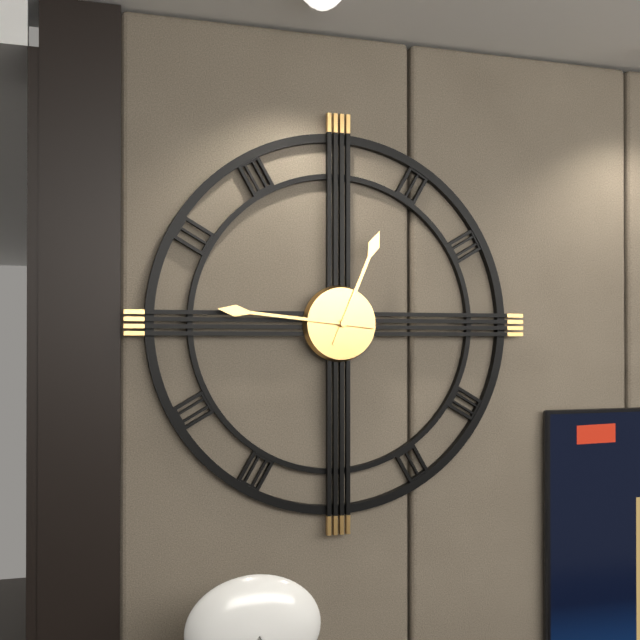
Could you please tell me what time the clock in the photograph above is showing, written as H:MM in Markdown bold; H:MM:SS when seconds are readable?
**12:46**
